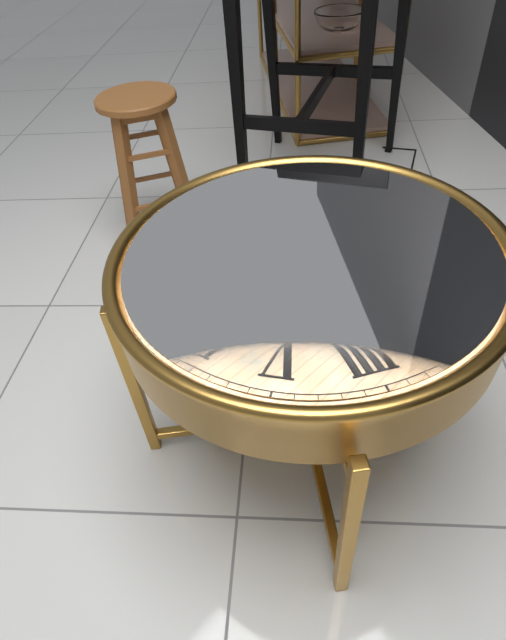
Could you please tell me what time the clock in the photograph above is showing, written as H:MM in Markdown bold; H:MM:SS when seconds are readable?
**4:32**
